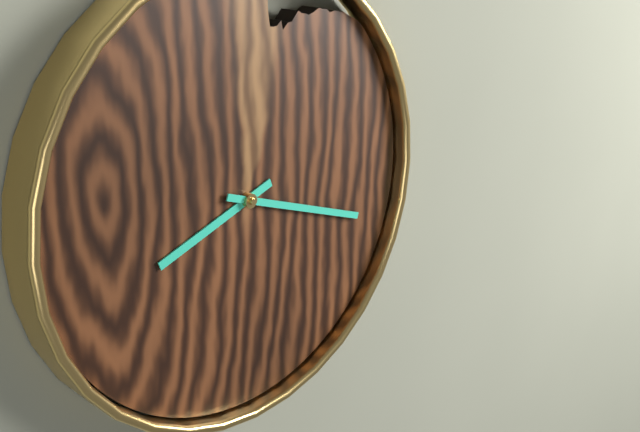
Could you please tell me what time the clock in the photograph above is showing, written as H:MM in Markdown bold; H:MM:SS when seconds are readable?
**8:18**
